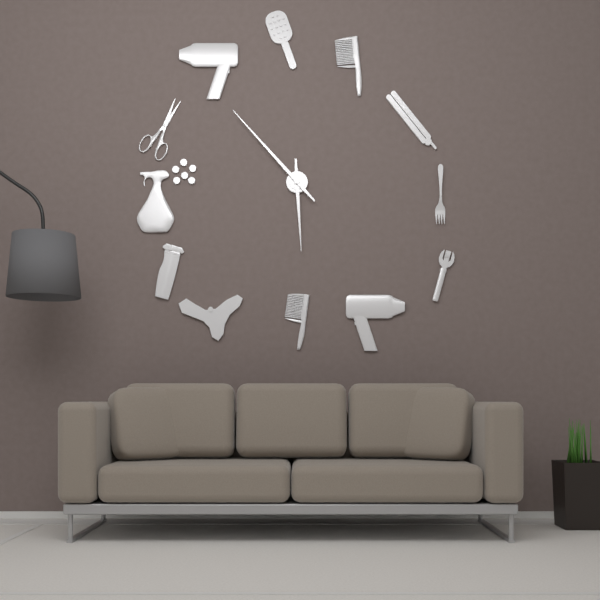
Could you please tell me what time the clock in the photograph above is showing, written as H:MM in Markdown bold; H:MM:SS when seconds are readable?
**5:53**
